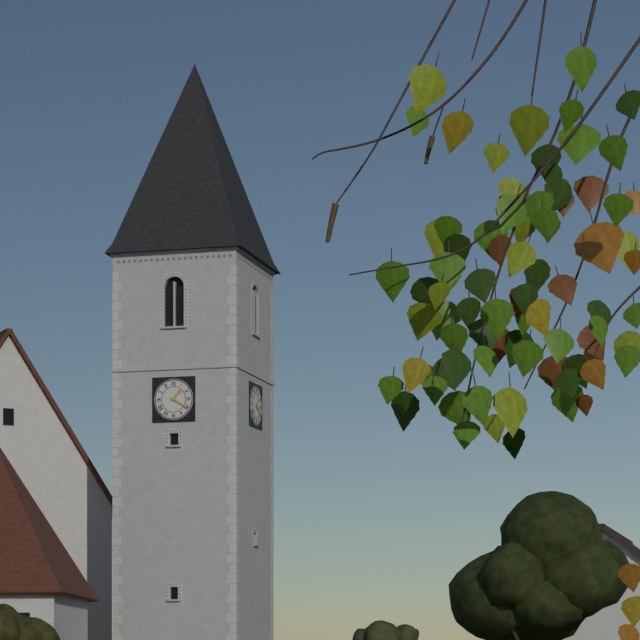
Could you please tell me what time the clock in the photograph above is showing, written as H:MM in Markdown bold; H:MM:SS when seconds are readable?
**1:20**
